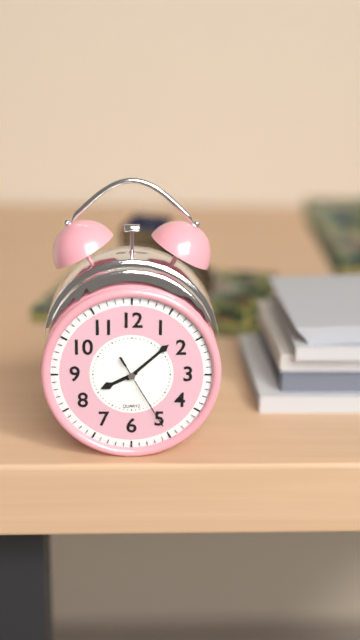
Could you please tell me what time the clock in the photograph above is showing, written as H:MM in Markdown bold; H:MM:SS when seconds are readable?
**8:08:25**
